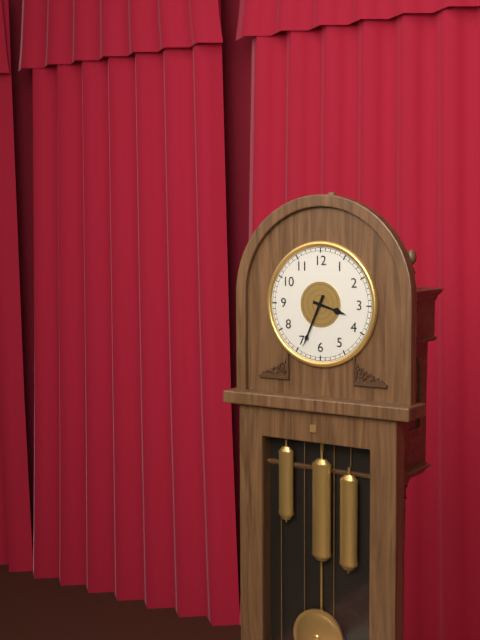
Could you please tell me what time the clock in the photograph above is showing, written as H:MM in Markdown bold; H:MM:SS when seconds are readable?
**3:34**
